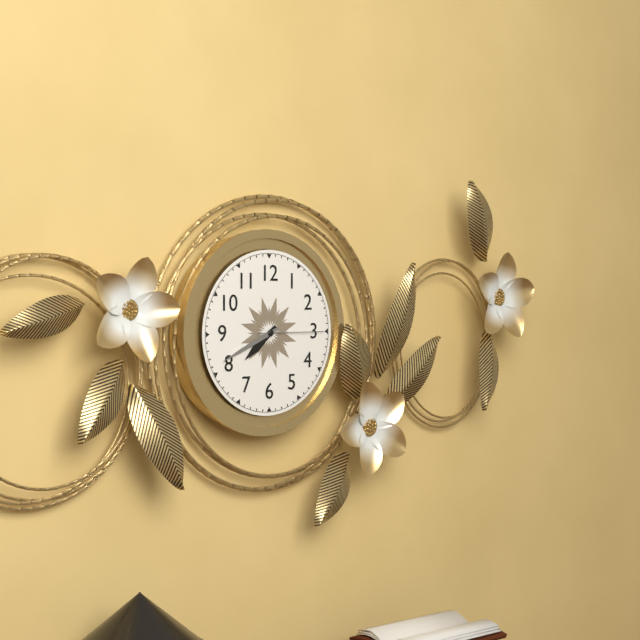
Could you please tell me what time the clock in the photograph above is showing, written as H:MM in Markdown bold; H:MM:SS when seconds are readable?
**7:41:15**
